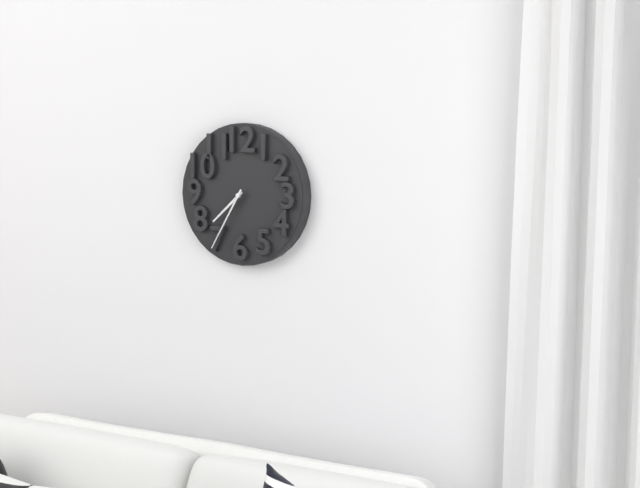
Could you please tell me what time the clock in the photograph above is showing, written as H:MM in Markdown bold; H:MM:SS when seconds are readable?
**7:35**
